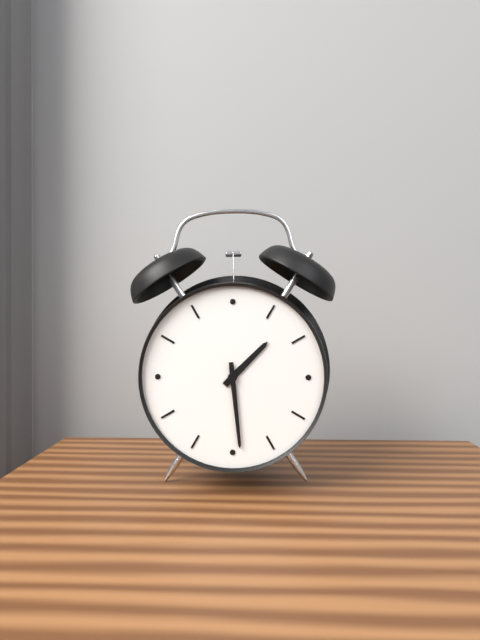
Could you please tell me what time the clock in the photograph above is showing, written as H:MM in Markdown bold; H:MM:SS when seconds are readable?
**1:29**
